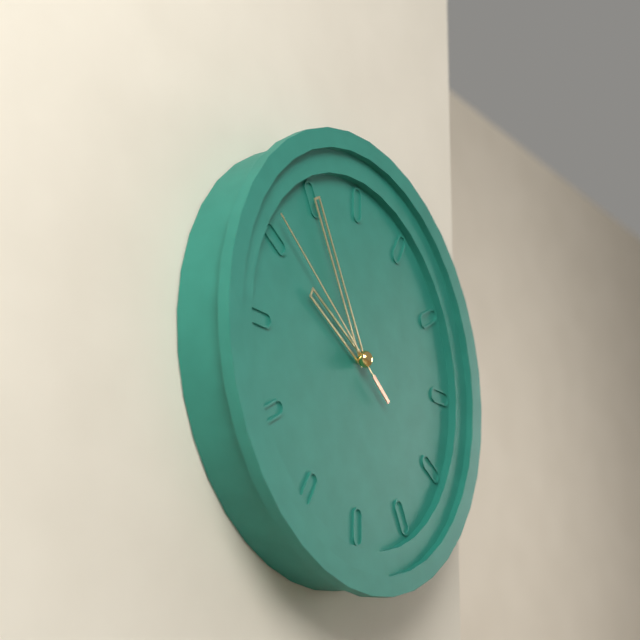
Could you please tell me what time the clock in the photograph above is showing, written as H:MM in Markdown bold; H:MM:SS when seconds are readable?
**9:55:51**
